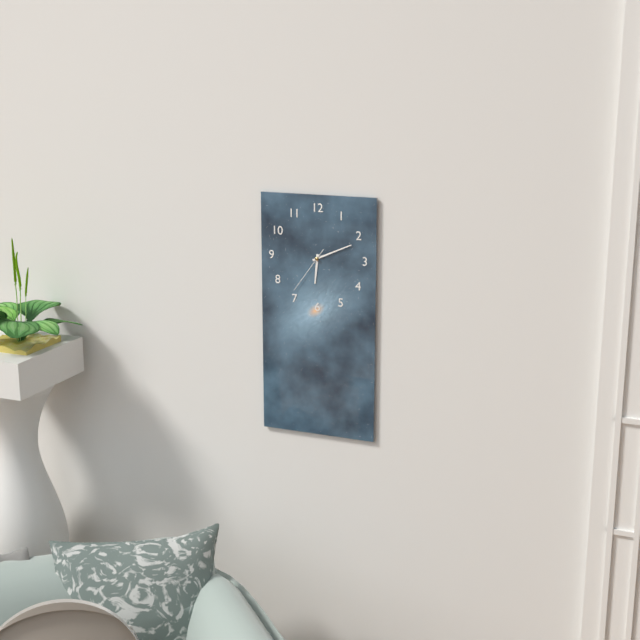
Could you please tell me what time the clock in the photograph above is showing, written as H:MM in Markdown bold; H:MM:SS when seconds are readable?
**6:11**
